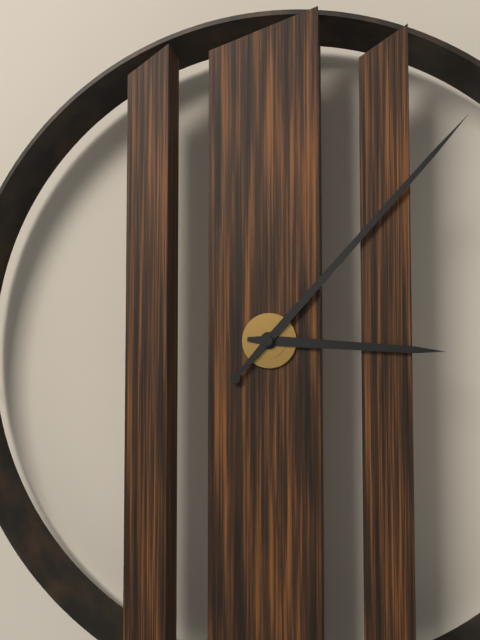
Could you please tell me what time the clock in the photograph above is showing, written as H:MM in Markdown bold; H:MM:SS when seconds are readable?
**3:07**
